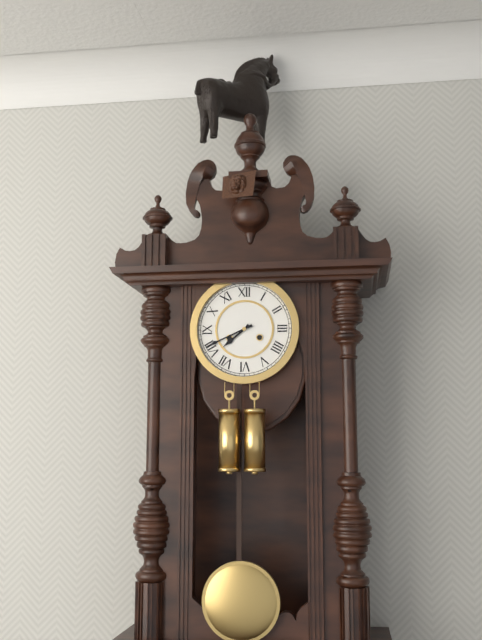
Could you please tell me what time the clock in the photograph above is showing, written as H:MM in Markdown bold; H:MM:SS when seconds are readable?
**7:41**
